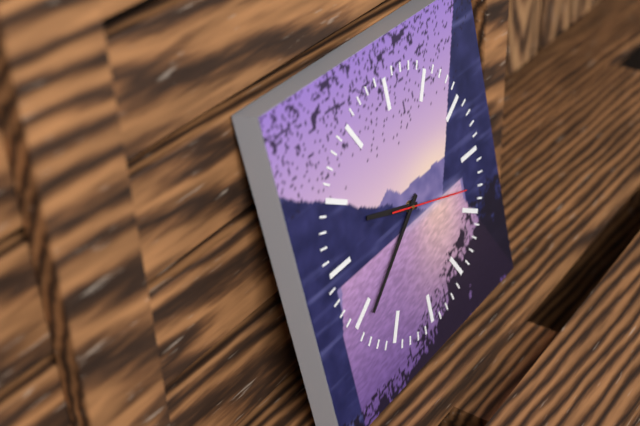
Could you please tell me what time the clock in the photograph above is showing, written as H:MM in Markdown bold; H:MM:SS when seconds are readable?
**9:39:18**
